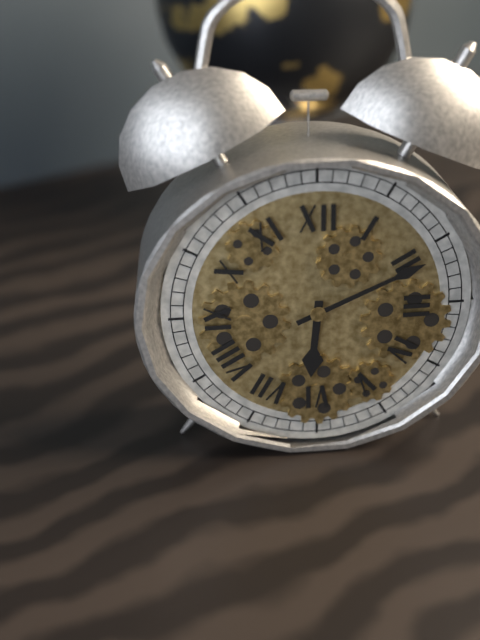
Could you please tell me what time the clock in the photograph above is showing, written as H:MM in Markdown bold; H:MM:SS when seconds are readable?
**6:11**
